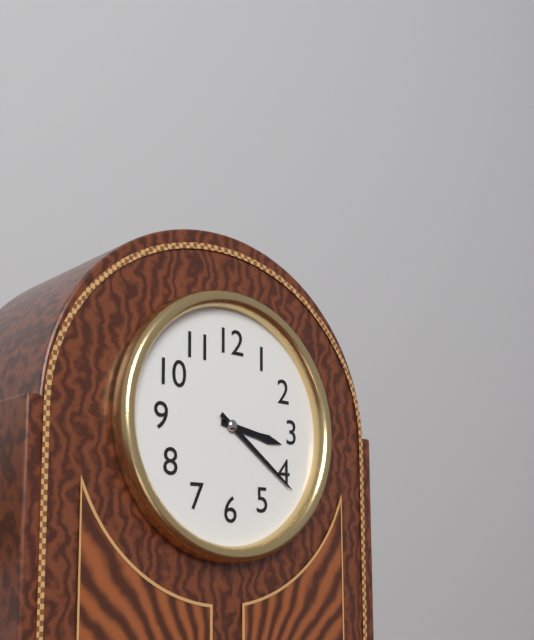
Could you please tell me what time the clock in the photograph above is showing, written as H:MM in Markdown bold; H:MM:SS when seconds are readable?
**3:21**
